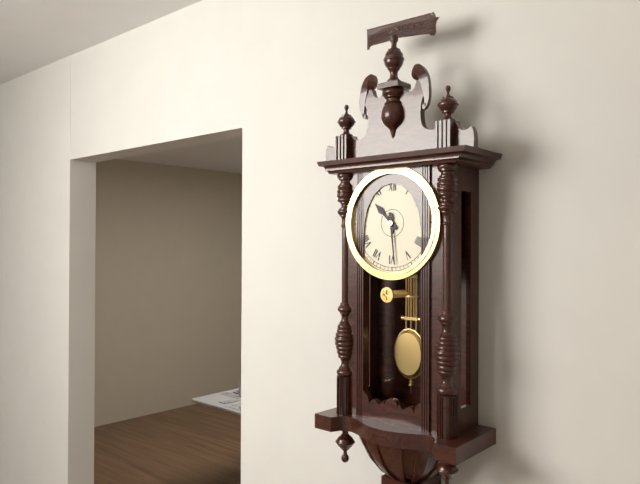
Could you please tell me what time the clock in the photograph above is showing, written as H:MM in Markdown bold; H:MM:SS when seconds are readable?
**10:29**
